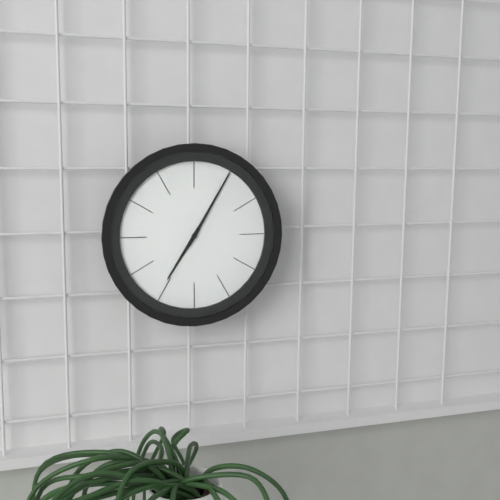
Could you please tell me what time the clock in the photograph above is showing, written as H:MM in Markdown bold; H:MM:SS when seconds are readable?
**7:05**
